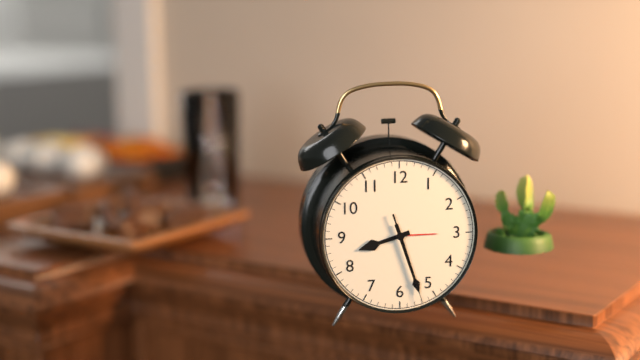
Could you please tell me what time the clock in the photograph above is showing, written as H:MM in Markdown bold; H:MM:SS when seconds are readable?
**8:27:27**
